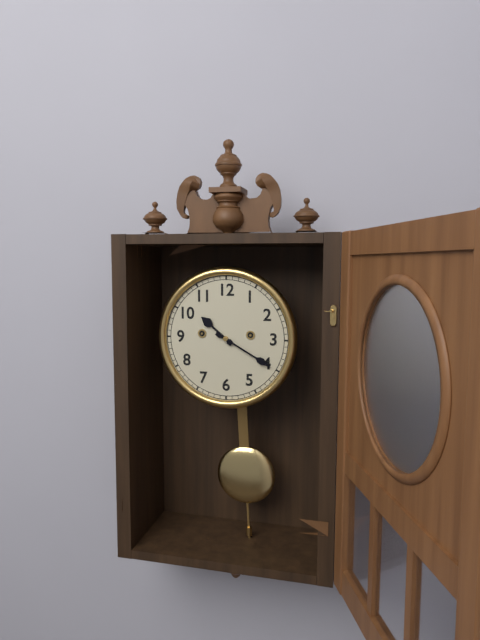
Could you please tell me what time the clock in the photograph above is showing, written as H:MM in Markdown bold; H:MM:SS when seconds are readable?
**10:20**
